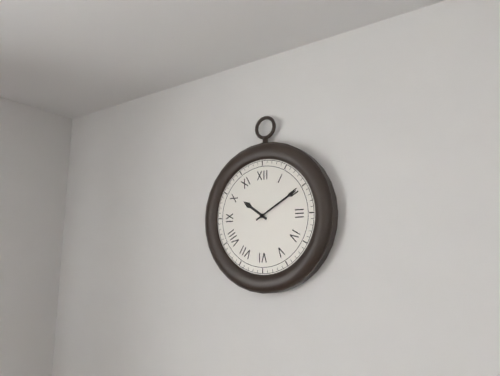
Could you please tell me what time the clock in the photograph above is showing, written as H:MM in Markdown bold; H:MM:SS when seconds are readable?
**10:10**
